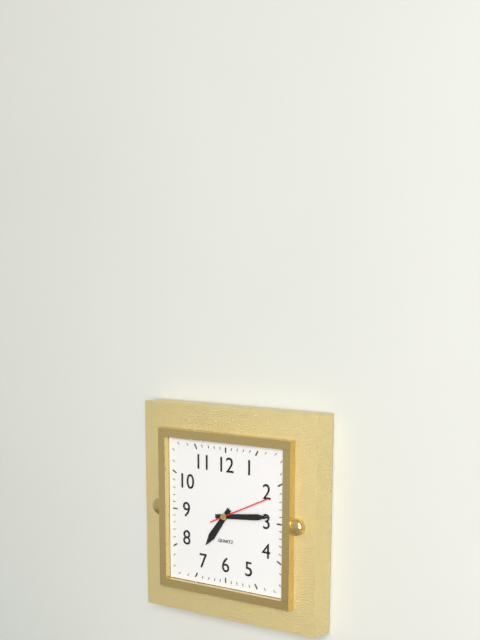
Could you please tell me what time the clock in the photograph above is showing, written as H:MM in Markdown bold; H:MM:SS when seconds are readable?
**7:14:11**
